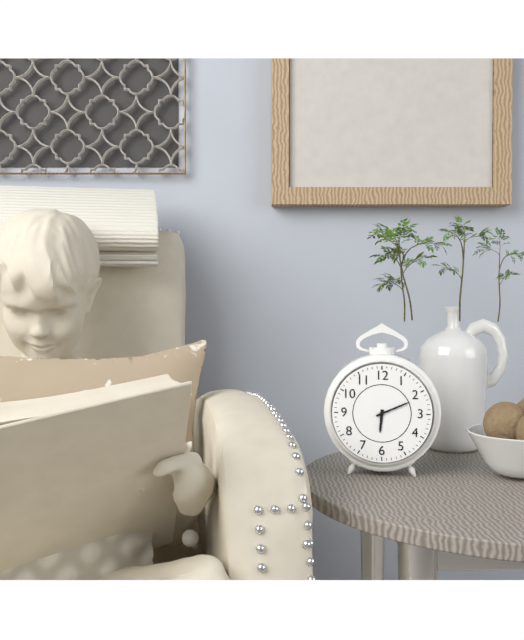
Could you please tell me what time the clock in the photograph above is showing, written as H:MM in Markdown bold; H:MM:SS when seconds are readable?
**6:11**
